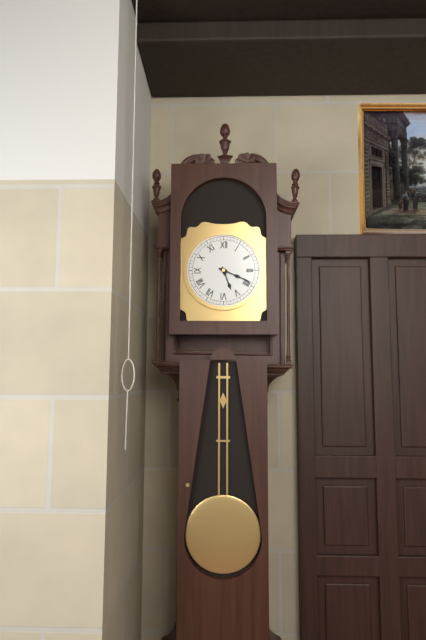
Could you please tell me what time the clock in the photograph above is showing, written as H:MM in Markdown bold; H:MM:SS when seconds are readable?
**5:19**
